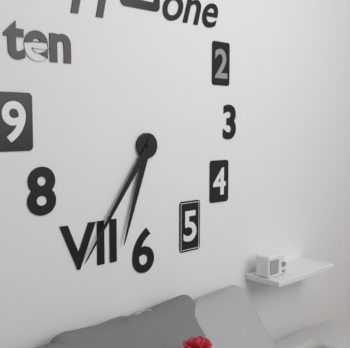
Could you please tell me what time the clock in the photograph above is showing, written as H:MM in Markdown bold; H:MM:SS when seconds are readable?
**6:36**
